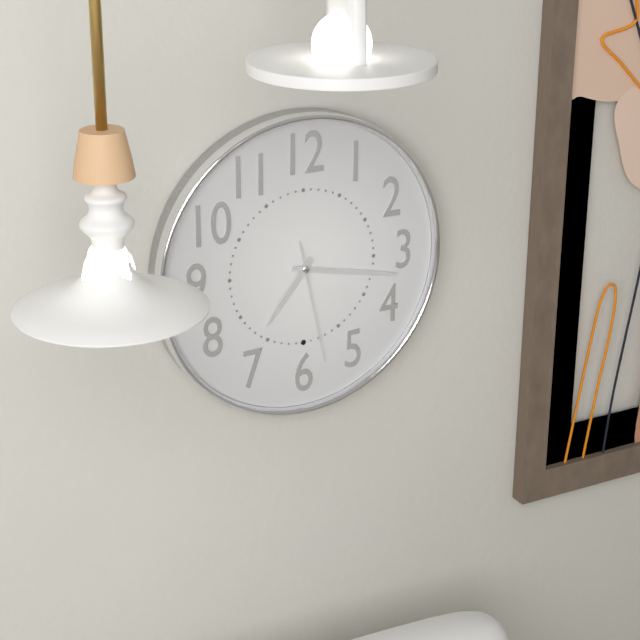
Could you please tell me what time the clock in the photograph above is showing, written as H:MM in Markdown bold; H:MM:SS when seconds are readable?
**7:17:28**
